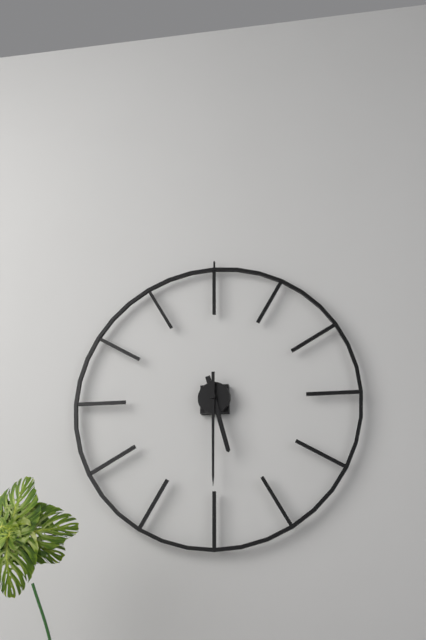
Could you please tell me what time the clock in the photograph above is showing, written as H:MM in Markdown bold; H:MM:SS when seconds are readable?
**5:30**
